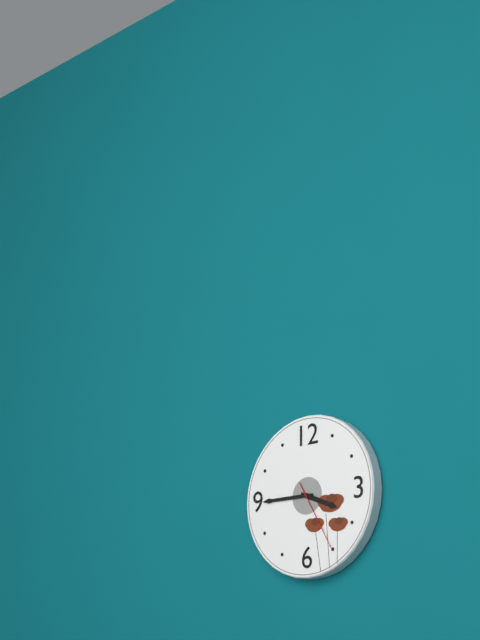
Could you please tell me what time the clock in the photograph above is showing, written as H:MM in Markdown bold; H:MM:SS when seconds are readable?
**3:45:25**
